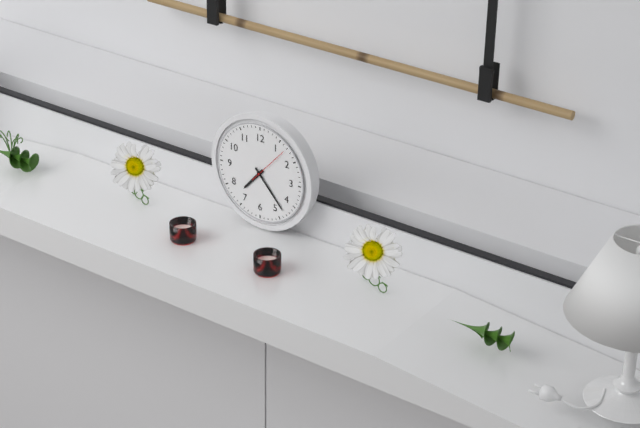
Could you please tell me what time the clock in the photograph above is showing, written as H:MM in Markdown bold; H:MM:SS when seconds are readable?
**7:23**
